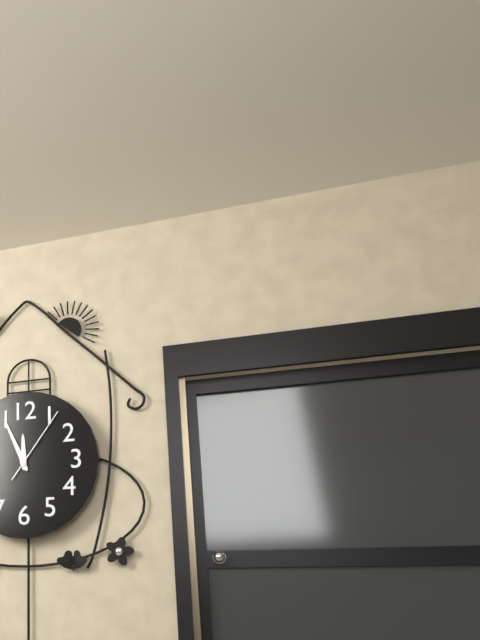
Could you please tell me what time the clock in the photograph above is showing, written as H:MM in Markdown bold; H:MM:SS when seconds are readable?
**11:56:06**
